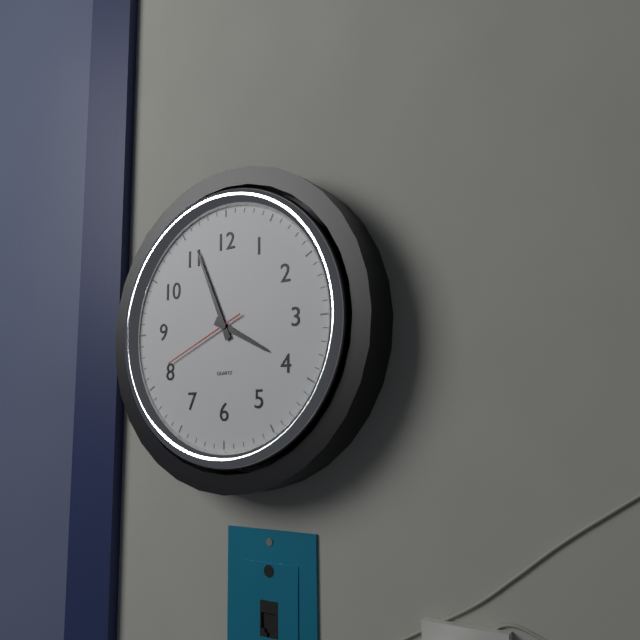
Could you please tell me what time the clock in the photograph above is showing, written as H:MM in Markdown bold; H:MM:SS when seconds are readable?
**3:56:41**
